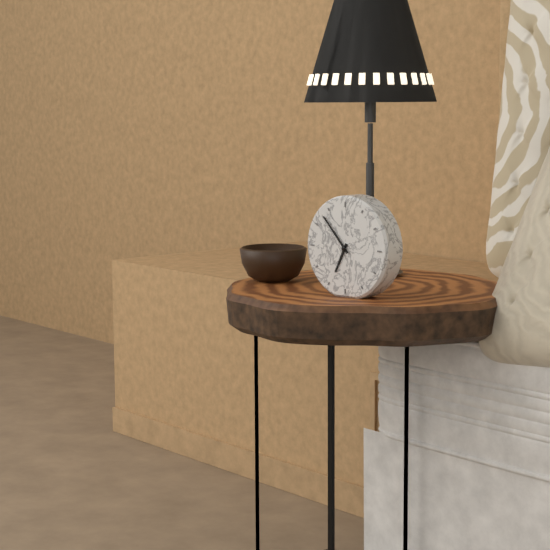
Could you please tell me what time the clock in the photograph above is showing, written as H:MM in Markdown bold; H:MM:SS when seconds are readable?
**6:53**
